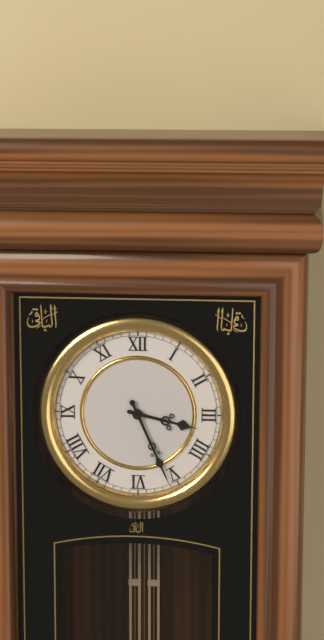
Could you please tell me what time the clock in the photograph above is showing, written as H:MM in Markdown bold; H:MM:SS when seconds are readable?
**3:26**
